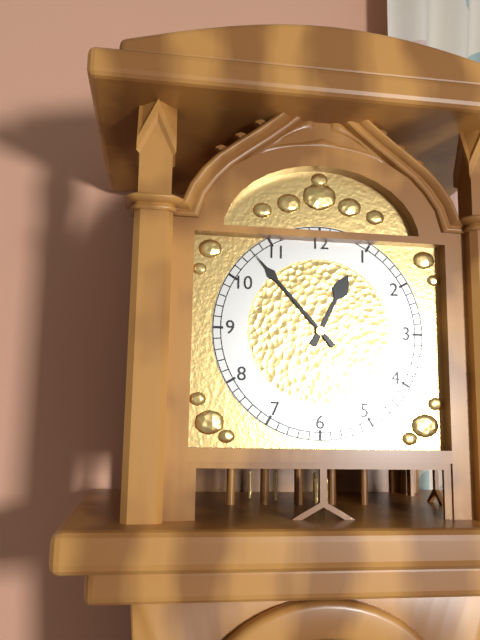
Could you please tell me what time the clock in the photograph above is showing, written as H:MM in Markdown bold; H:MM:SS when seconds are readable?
**12:53**
